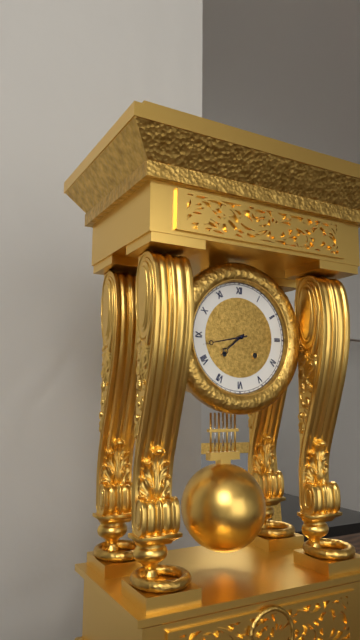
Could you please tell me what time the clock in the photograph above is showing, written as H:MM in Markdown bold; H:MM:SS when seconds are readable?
**7:43**
